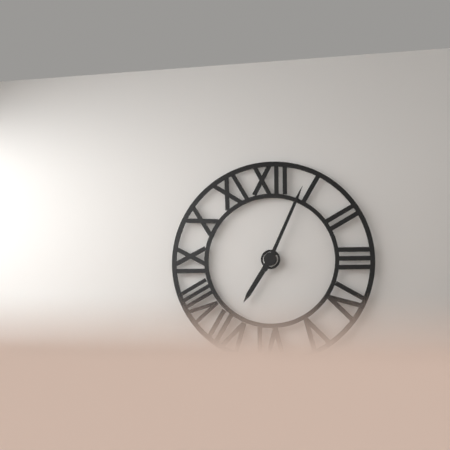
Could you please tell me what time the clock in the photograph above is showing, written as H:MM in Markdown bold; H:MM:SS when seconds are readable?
**7:04**
